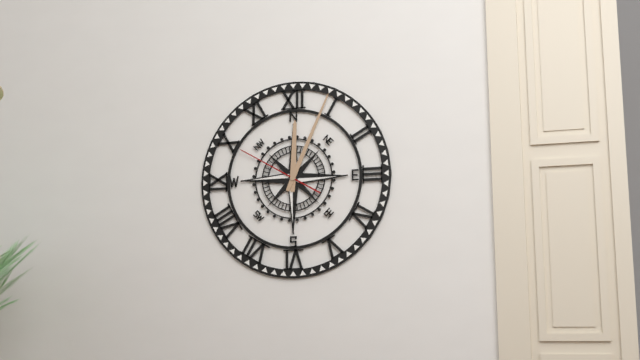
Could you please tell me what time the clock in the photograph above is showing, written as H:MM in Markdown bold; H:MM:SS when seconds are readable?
**12:04:50**
